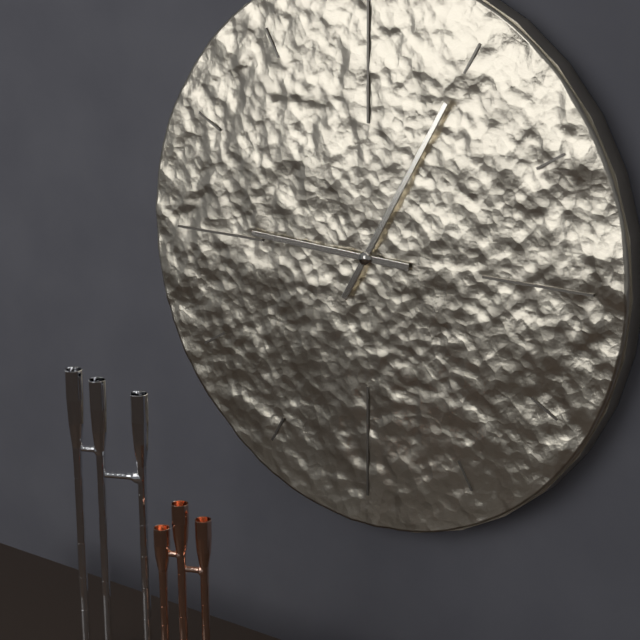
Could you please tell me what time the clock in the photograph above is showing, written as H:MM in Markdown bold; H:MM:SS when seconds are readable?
**9:05**
